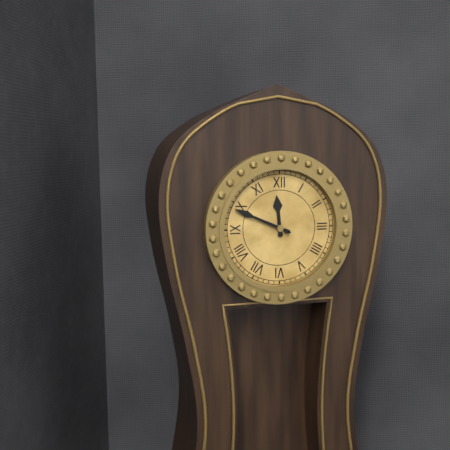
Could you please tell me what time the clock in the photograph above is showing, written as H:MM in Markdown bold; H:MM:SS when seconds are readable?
**11:49**
